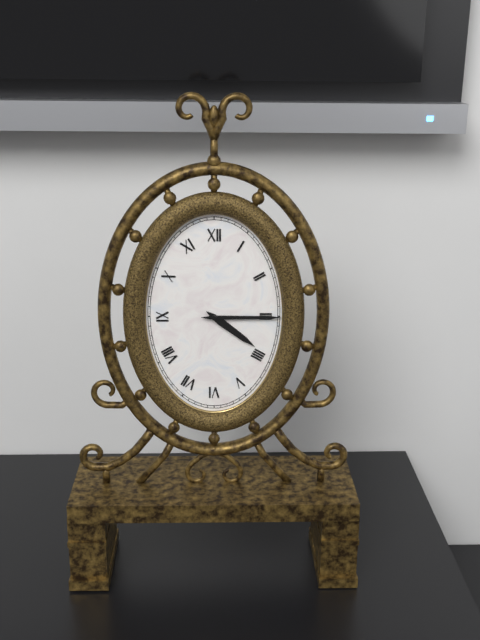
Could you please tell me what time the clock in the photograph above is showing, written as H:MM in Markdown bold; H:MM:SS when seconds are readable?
**4:15**
